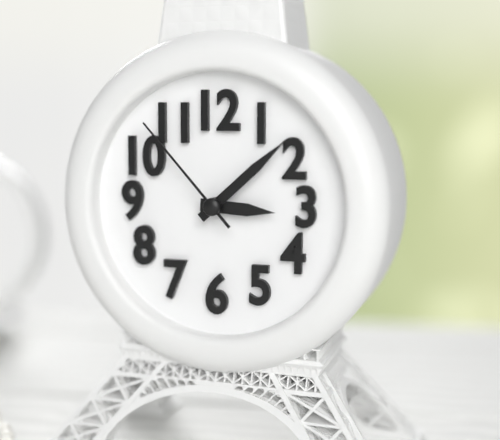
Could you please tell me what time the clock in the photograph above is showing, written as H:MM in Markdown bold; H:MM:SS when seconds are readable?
**3:08:53**
